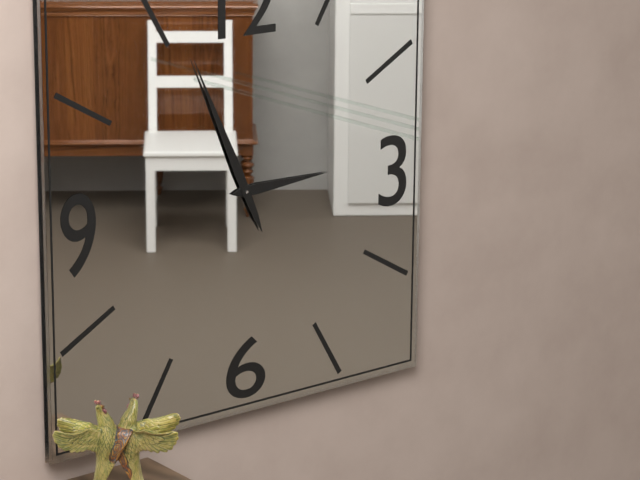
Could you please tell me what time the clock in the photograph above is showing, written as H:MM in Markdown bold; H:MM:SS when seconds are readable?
**2:56**
